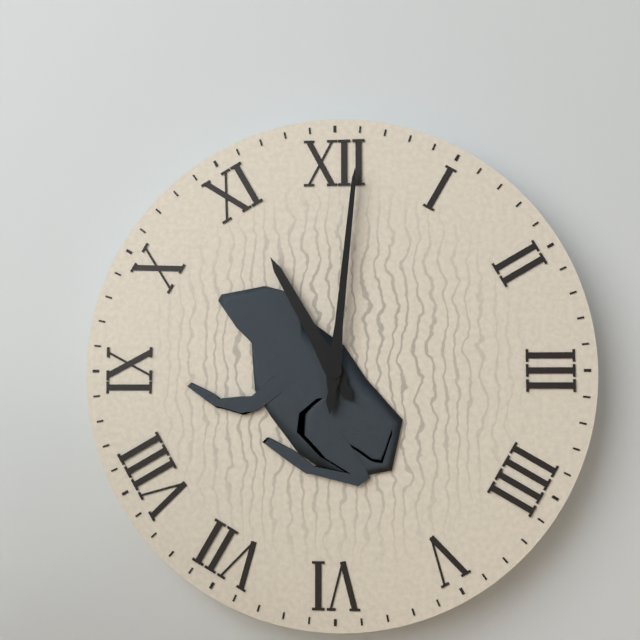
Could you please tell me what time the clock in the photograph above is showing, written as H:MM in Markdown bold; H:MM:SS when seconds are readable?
**11:01**
